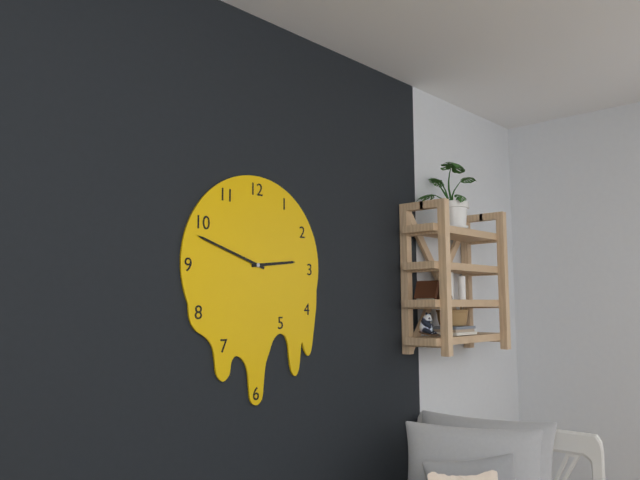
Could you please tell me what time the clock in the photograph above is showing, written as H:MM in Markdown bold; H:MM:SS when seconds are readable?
**2:48**
